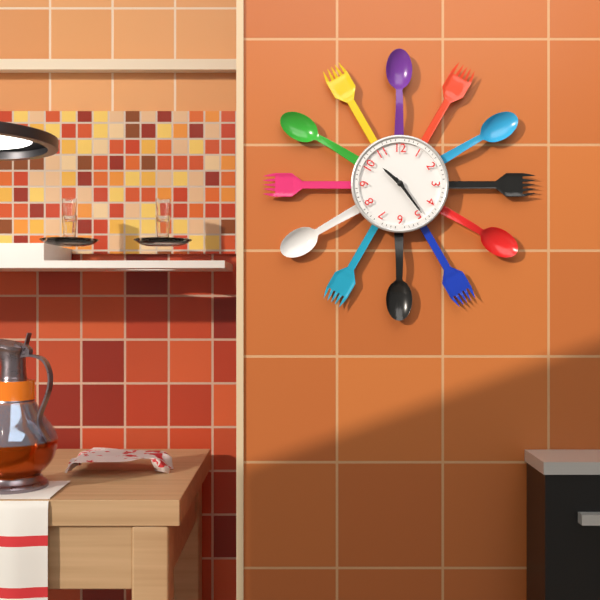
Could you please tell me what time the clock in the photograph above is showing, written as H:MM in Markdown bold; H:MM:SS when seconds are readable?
**10:24**
